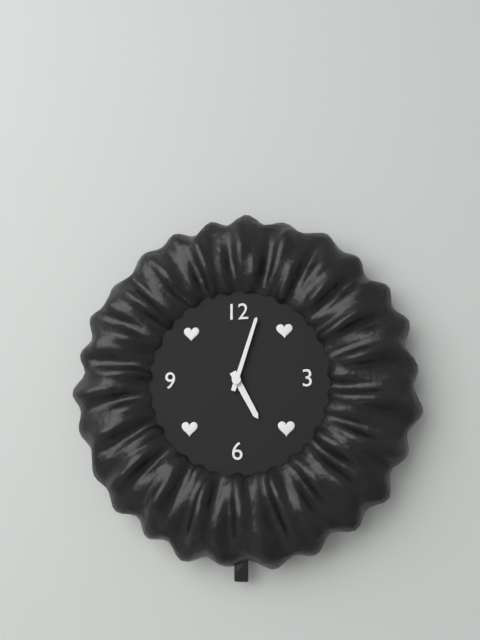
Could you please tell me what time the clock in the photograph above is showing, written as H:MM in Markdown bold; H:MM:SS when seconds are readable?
**5:03**
